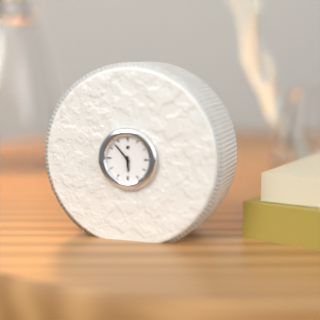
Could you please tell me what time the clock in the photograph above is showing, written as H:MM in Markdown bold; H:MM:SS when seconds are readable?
**5:53**
